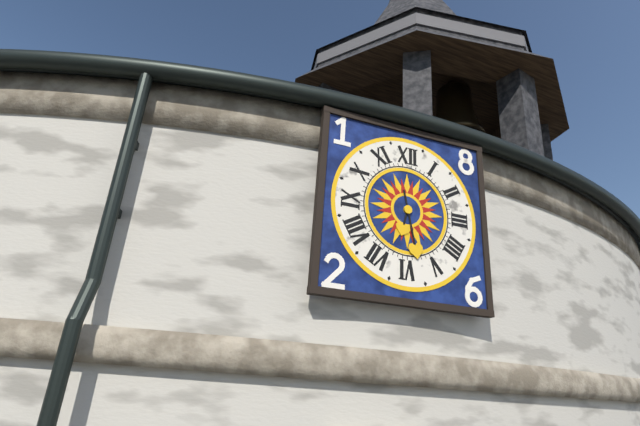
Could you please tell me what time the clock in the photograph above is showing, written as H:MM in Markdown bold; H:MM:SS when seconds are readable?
**6:28**
